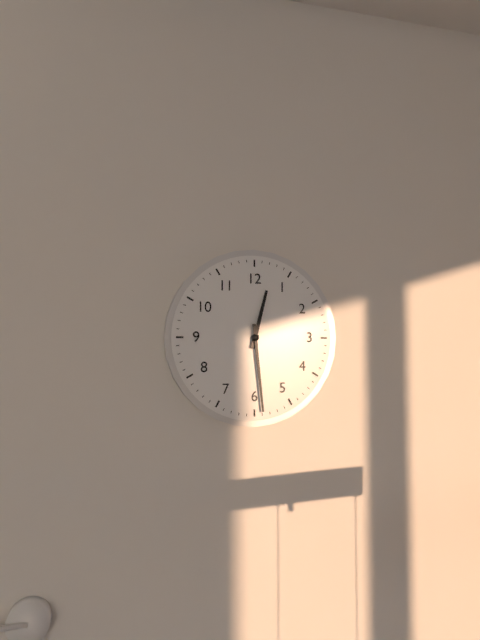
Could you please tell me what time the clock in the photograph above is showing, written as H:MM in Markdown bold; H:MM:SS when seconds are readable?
**12:29**
